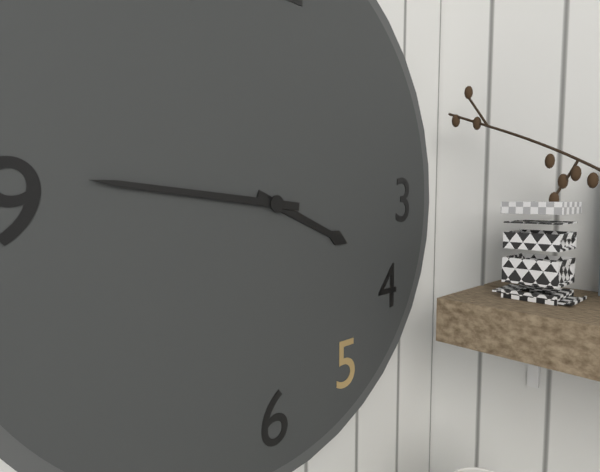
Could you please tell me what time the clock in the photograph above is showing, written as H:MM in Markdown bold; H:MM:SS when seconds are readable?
**3:46**
